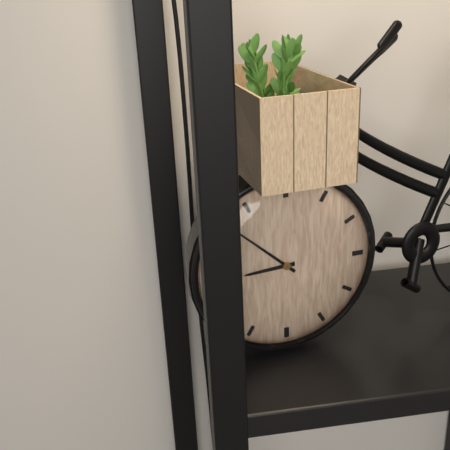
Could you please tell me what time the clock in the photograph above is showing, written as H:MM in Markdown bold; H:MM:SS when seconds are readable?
**8:52**
